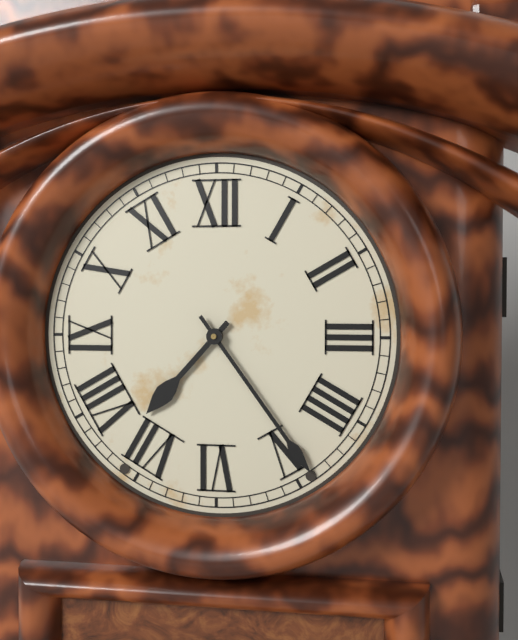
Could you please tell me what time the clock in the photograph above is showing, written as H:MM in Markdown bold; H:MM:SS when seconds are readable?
**7:24**
